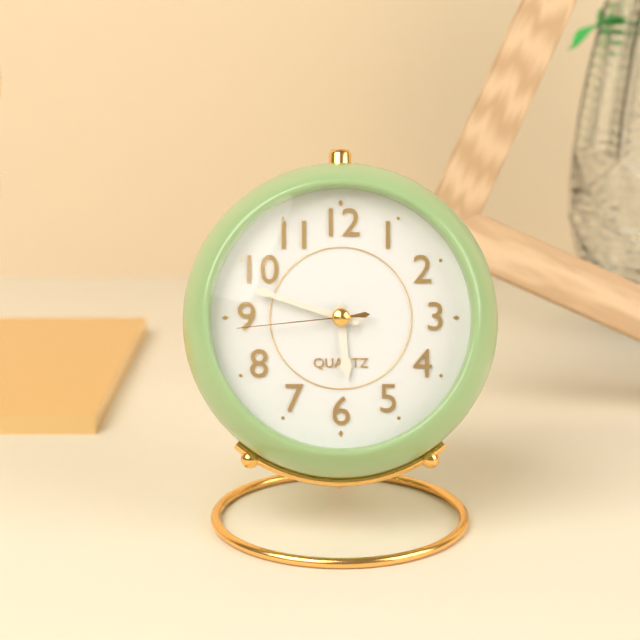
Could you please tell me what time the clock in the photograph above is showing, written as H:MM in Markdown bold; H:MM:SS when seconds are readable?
**5:48:44**
